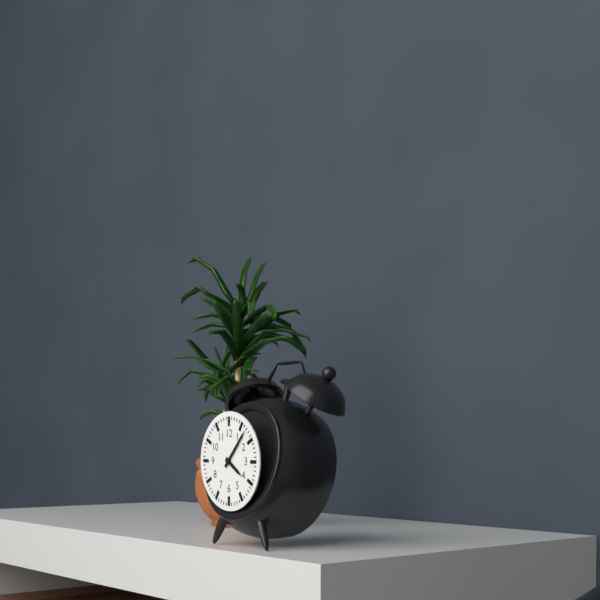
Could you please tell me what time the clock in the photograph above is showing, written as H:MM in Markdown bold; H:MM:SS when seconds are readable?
**4:07**
